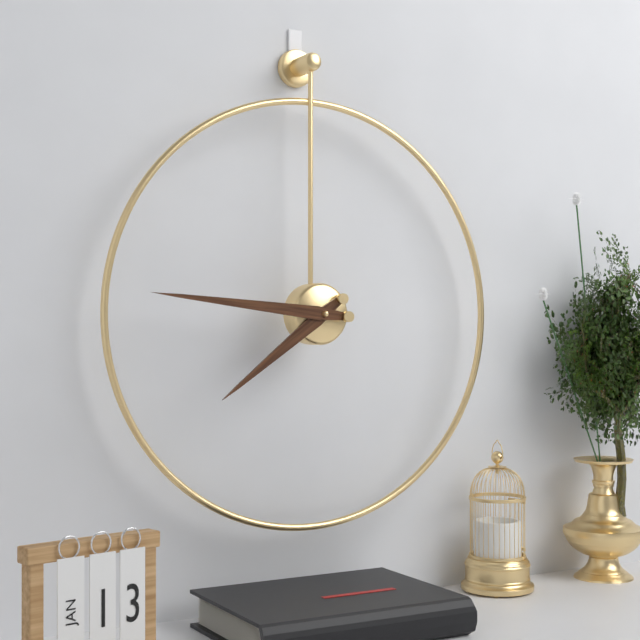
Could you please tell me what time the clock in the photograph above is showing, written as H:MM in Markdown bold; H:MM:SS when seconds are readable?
**7:46**
